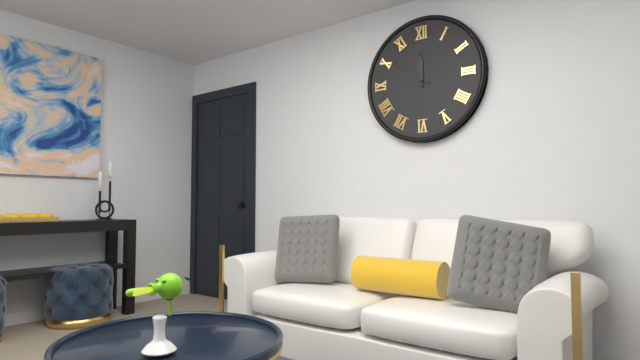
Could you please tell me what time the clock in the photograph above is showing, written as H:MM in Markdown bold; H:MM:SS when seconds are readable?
**11:51**
